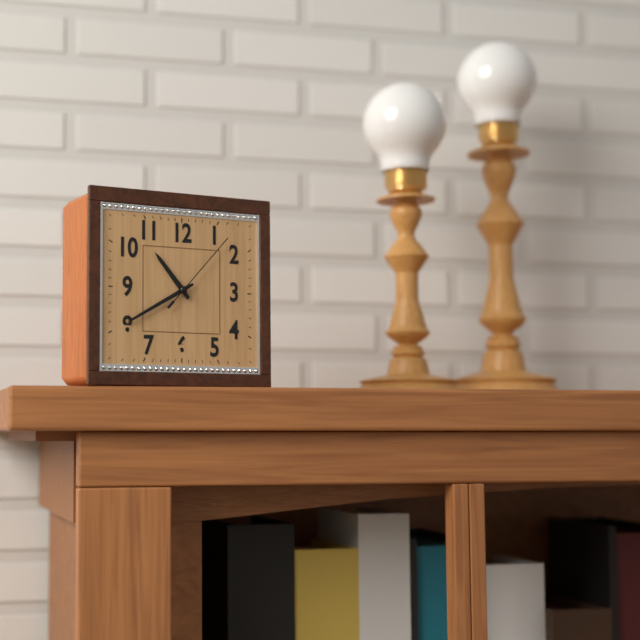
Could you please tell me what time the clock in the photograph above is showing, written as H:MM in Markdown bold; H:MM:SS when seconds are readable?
**10:40:07**
